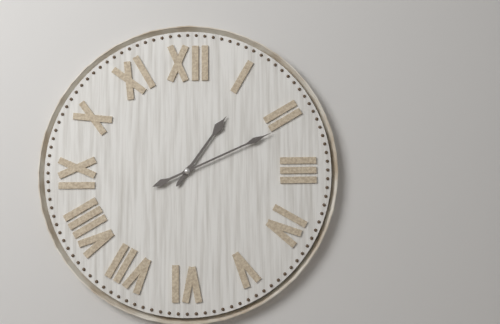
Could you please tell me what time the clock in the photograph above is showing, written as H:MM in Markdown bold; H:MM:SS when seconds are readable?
**1:11**
